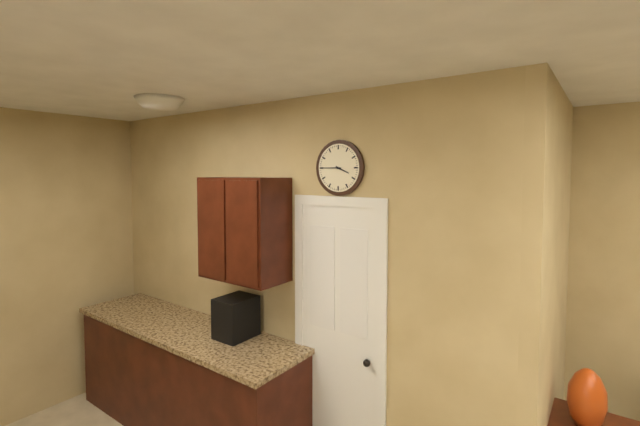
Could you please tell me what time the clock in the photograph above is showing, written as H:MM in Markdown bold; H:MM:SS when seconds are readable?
**3:45**
